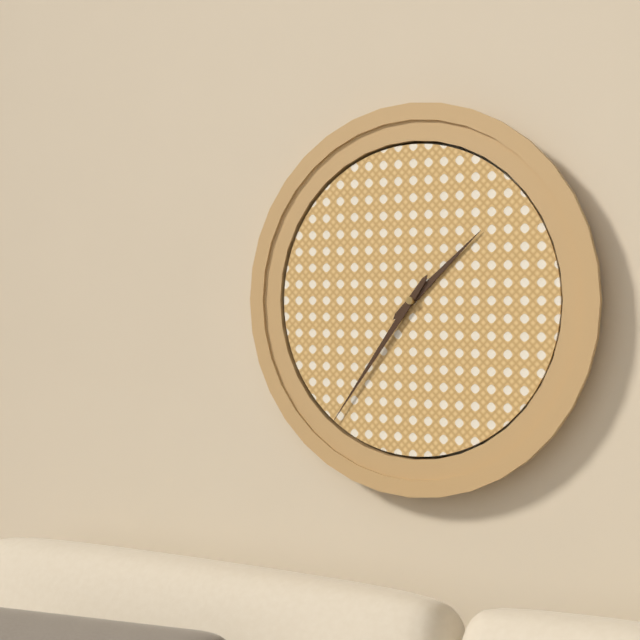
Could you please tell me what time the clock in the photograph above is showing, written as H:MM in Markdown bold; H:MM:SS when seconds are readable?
**1:36**
